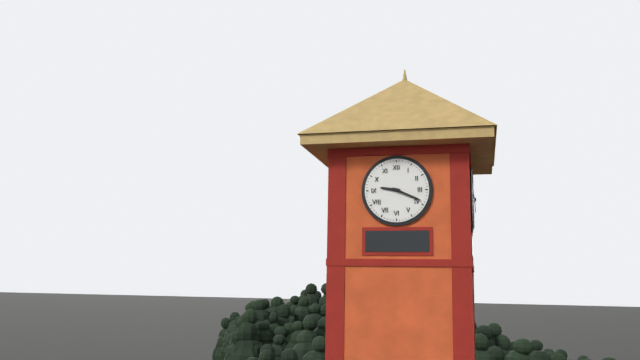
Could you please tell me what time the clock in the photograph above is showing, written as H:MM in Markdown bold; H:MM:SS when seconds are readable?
**9:19**
